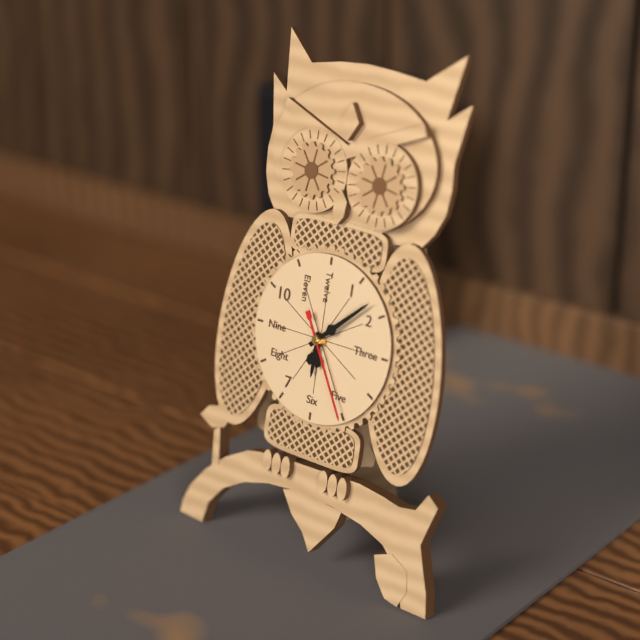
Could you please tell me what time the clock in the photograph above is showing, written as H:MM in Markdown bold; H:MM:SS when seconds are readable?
**6:08:25**
